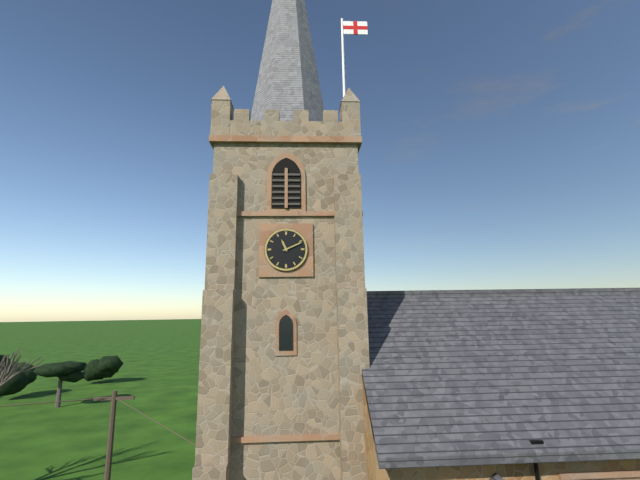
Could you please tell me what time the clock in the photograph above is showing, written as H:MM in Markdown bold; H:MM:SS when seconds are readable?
**11:11**
